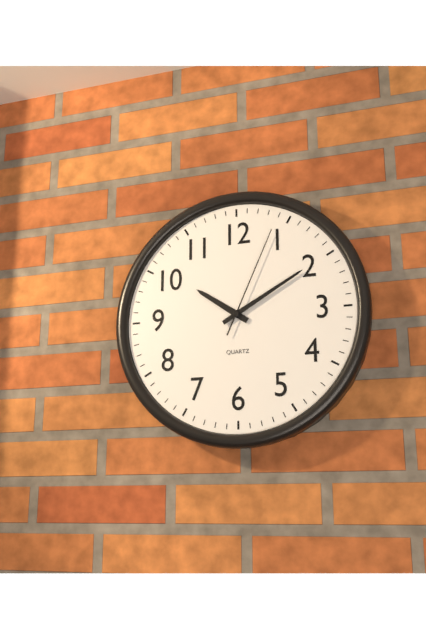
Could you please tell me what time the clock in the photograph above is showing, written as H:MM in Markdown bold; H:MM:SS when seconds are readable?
**10:10:04**
